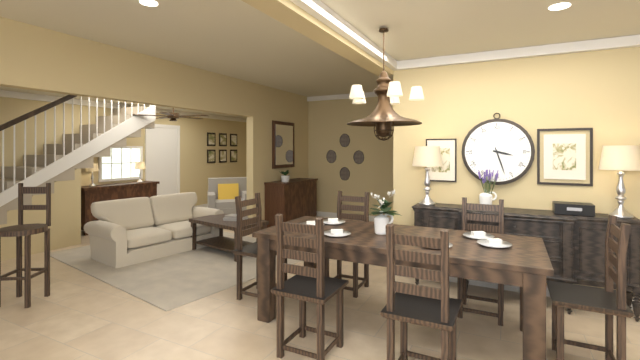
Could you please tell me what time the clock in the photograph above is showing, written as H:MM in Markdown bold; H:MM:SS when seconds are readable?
**3:27**
